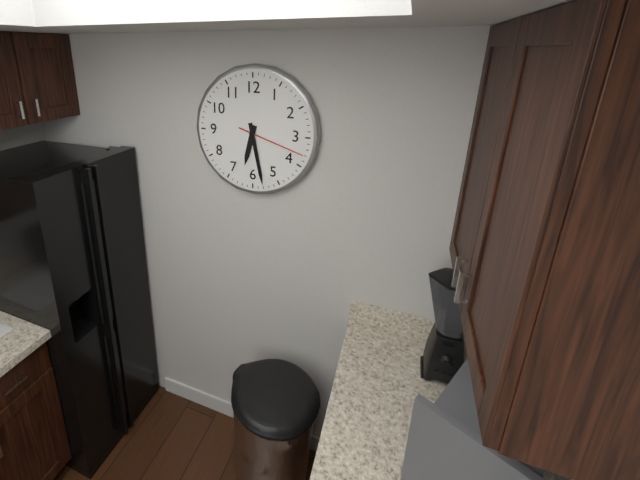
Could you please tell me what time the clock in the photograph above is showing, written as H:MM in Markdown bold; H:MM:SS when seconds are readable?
**6:28:18**
